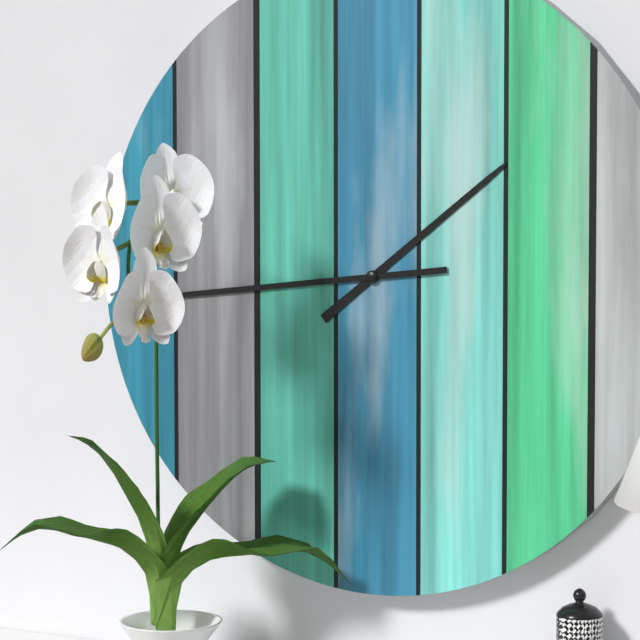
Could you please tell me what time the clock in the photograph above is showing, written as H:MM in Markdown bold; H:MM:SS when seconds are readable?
**1:44**
